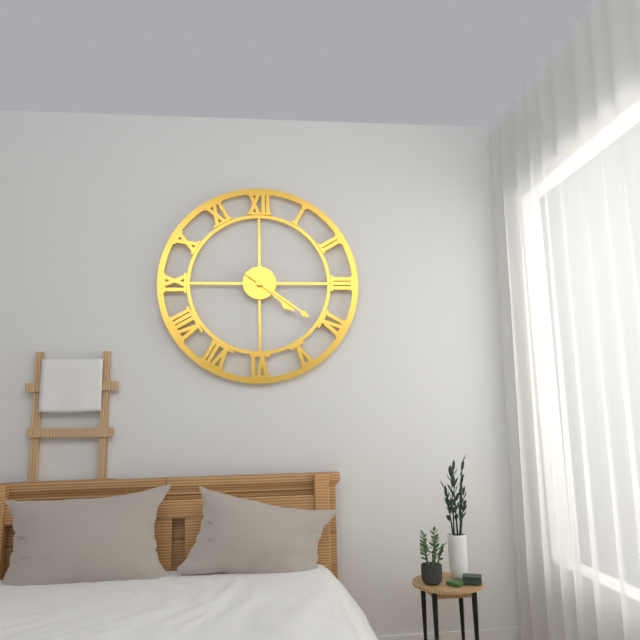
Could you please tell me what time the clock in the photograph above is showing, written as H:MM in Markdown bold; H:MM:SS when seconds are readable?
**4:21**
